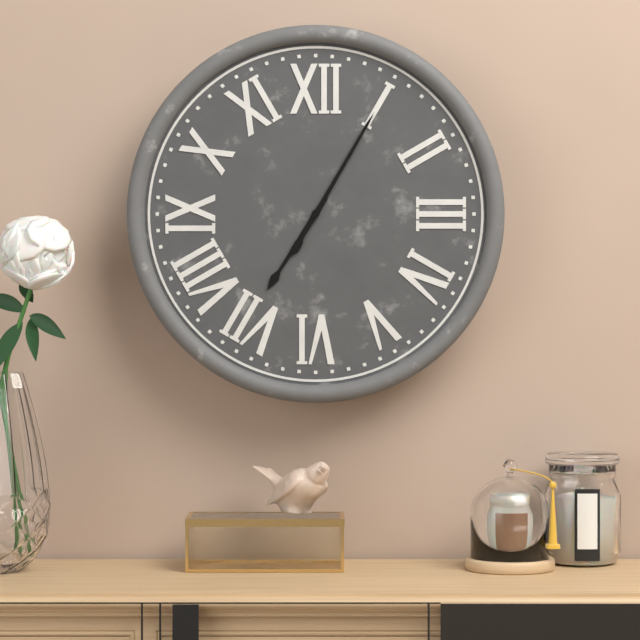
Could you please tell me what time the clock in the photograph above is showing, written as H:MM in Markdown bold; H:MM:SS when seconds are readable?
**7:05**
